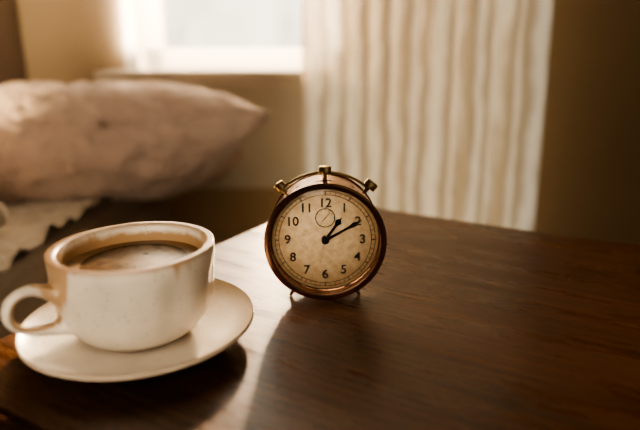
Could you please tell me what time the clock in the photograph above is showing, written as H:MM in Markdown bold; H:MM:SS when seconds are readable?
**1:10:32**
